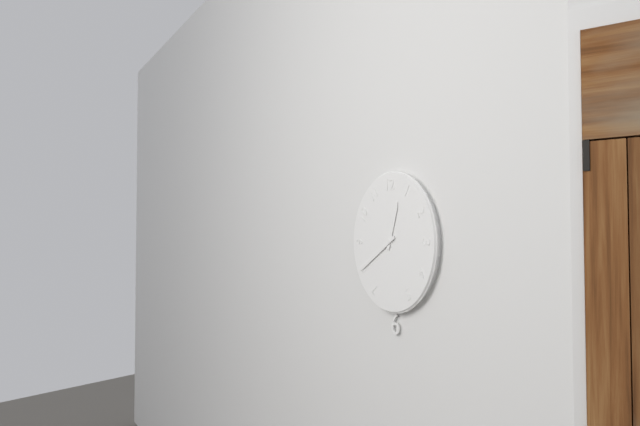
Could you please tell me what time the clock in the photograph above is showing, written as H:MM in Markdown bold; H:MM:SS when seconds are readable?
**12:40**
